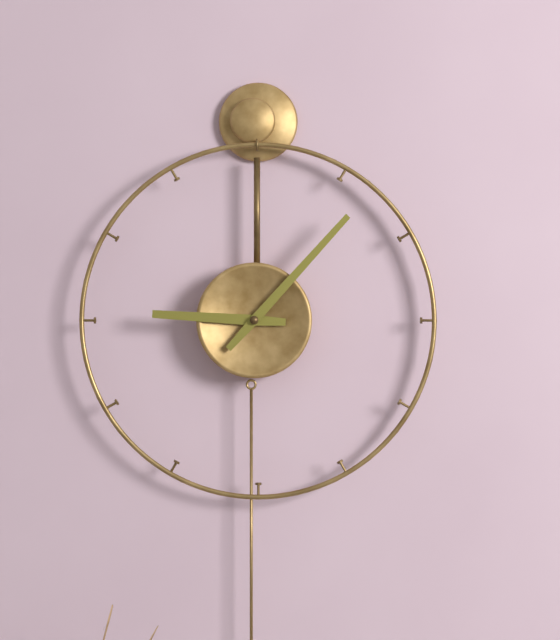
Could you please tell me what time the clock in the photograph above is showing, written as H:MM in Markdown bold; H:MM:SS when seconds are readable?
**9:07**
